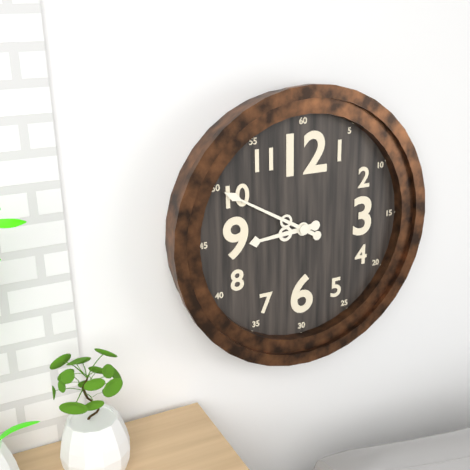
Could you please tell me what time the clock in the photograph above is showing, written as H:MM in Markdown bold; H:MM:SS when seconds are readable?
**8:50**
